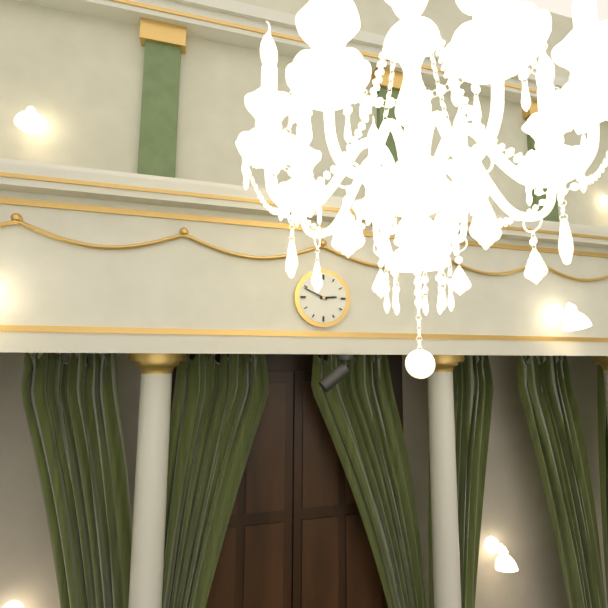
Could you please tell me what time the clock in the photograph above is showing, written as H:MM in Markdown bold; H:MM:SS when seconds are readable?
**2:49**
